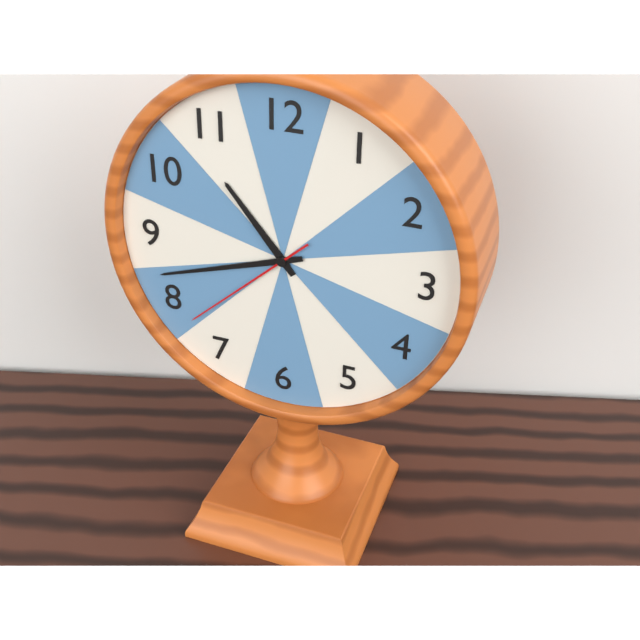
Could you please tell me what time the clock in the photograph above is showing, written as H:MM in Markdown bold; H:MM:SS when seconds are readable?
**10:42:38**
